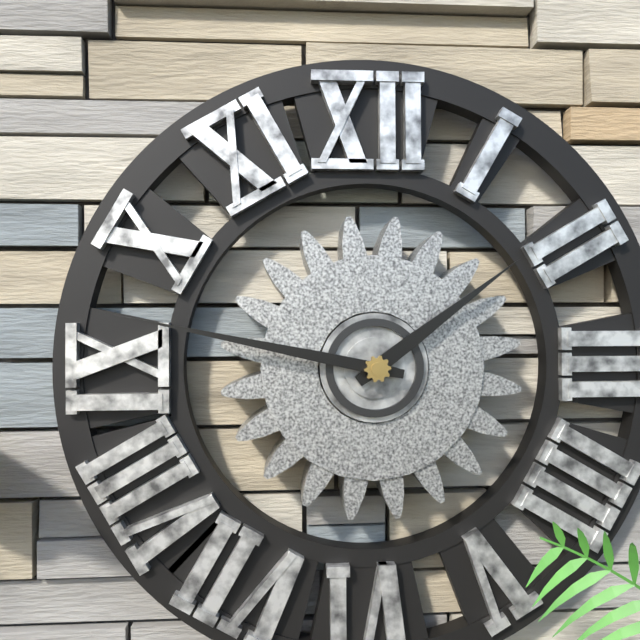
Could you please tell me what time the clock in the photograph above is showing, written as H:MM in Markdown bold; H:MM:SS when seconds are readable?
**1:47**
